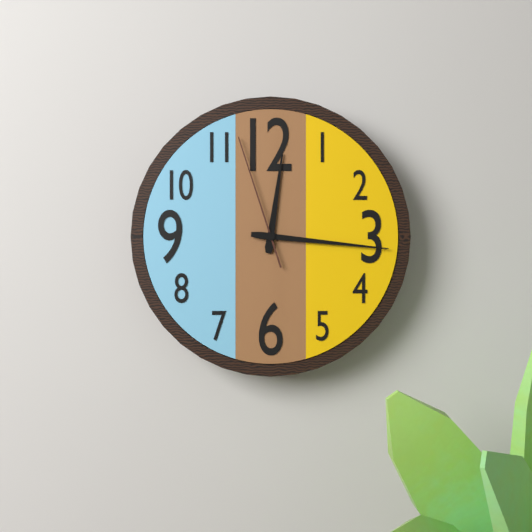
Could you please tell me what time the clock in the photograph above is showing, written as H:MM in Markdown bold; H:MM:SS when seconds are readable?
**12:16:57**
